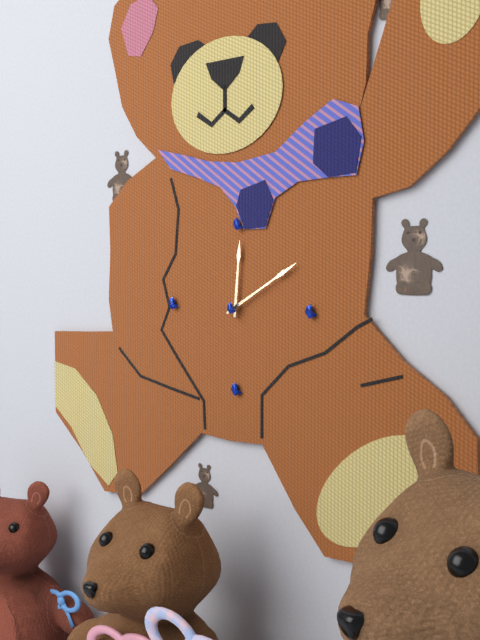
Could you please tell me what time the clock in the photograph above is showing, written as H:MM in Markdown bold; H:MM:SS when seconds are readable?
**12:10**
